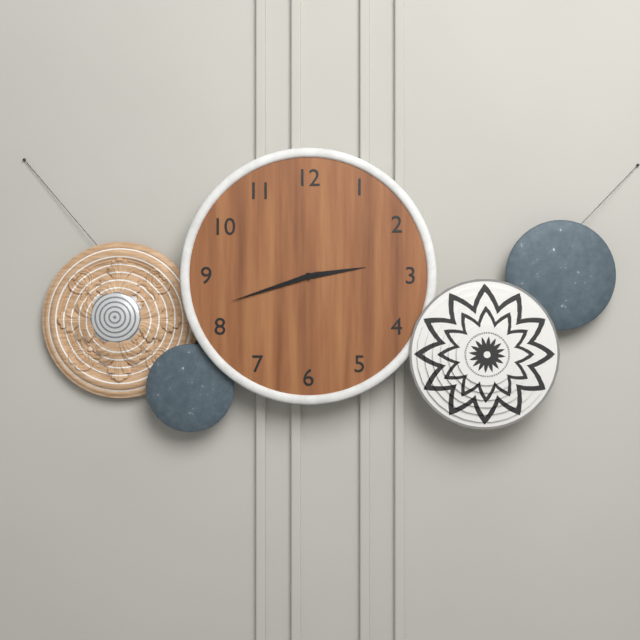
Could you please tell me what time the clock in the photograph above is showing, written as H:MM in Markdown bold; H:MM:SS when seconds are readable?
**2:42**
